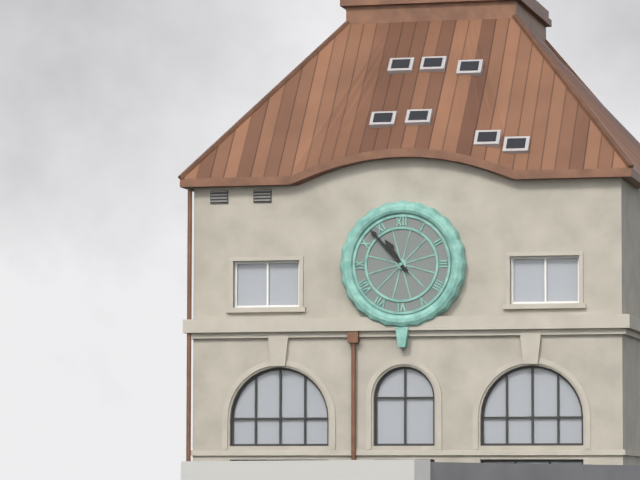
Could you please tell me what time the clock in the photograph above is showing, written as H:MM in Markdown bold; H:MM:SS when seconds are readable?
**10:53**
